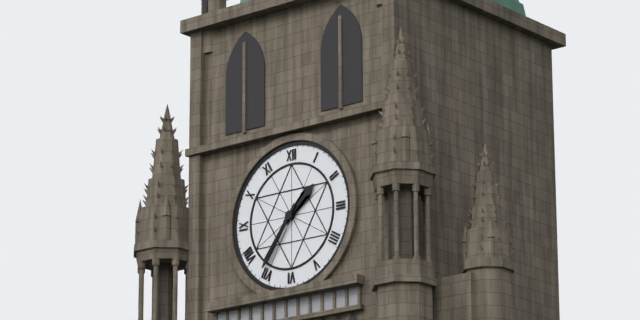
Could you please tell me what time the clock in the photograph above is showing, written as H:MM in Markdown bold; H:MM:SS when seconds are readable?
**1:36**
